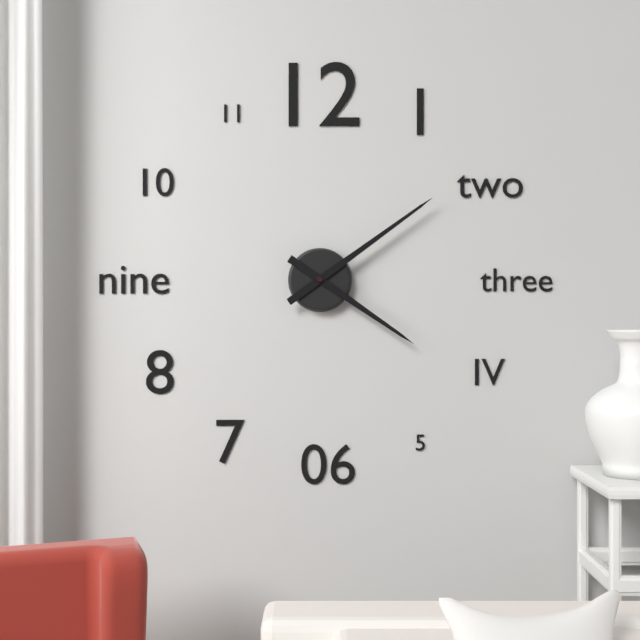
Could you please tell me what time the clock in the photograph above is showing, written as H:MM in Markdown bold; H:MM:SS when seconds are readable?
**4:09**
